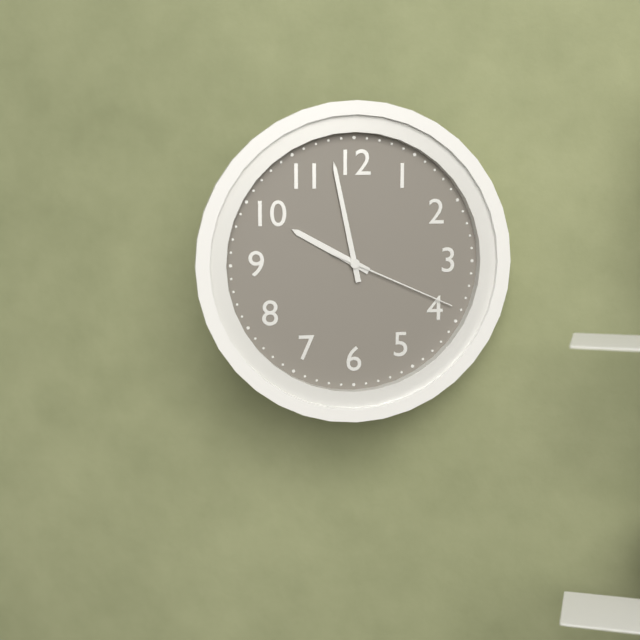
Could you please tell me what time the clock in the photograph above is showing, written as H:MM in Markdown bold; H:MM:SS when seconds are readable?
**9:58:19**
